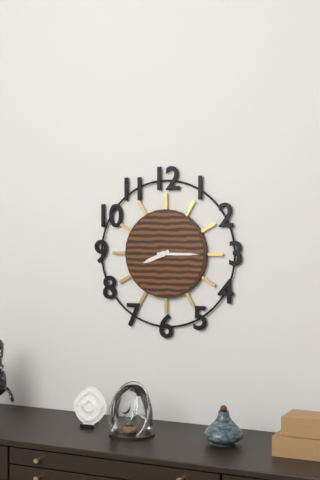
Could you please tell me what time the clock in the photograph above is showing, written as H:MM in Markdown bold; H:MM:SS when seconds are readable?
**8:15**
